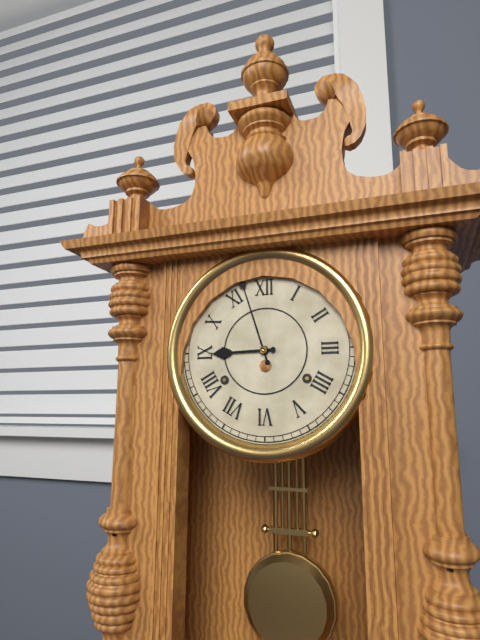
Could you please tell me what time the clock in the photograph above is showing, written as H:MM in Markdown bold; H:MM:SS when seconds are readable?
**8:57**
